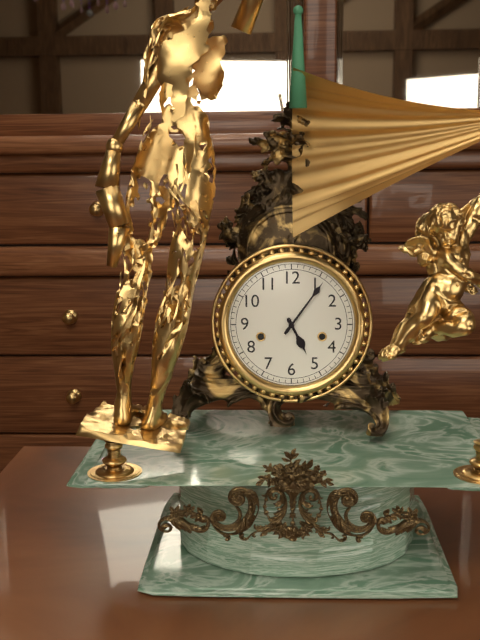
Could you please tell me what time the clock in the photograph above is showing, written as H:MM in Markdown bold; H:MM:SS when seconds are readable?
**5:06**
